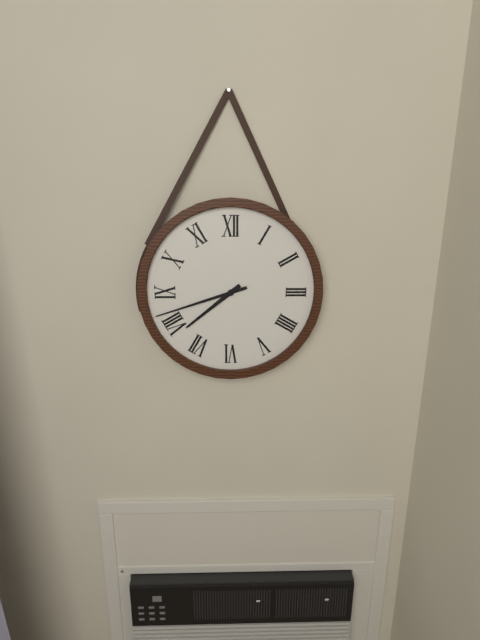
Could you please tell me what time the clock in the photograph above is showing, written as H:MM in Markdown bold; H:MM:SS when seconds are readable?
**7:42**
